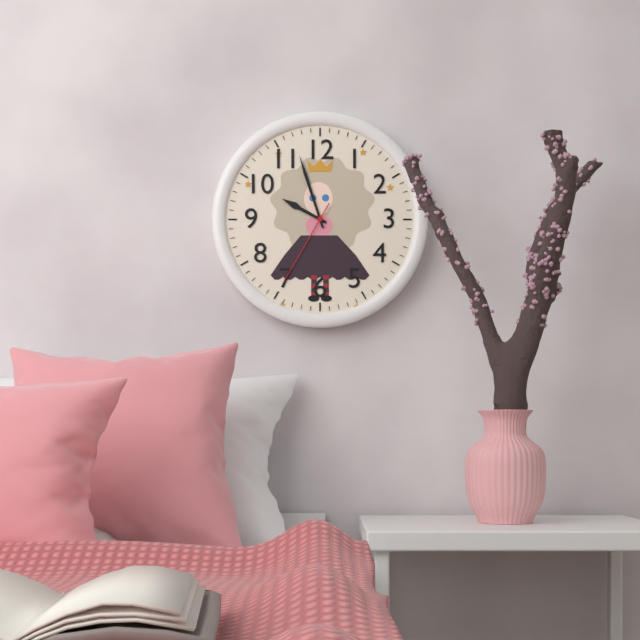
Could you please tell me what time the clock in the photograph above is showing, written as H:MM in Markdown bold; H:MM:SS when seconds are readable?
**9:57:35**
